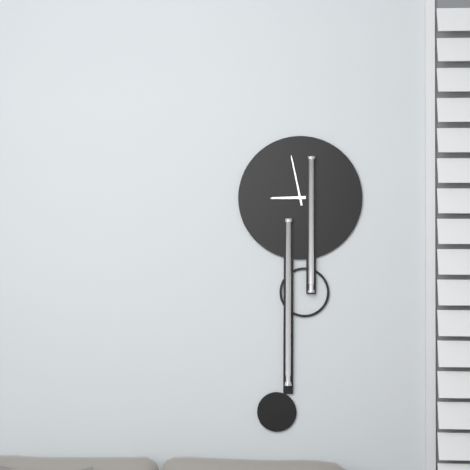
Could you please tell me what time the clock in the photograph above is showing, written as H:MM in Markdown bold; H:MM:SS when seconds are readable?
**8:58**
